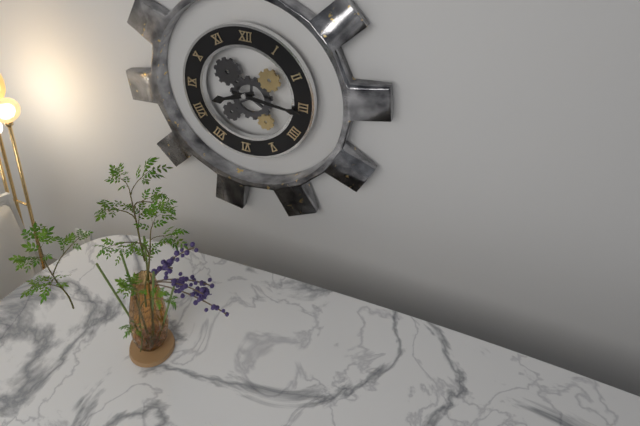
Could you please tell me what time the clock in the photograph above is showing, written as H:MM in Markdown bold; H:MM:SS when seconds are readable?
**8:16**
